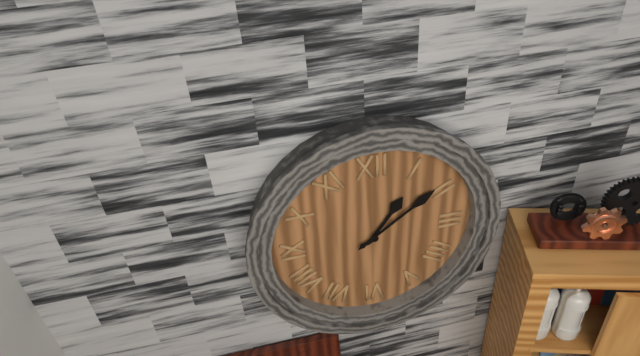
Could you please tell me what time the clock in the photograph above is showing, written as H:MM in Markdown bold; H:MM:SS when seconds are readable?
**1:09**
